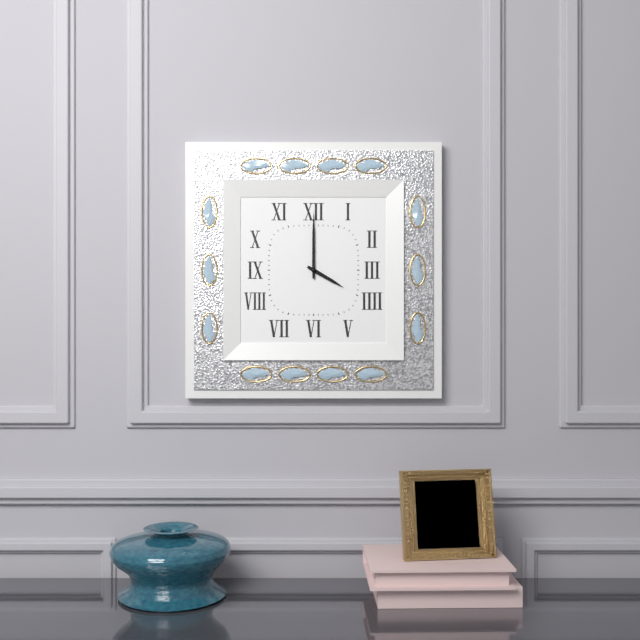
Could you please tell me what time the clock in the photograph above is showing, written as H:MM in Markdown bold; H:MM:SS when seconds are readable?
**4:00**
